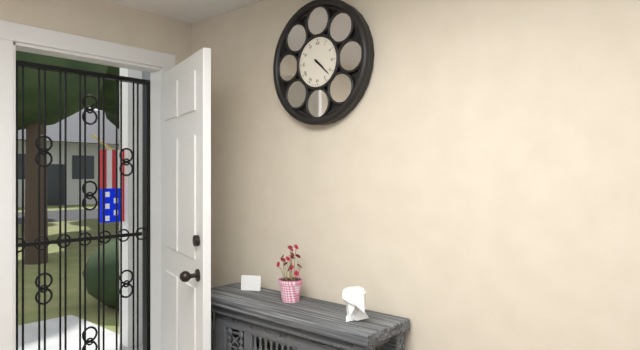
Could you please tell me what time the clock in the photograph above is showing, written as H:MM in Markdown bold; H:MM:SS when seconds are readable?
**4:22**
